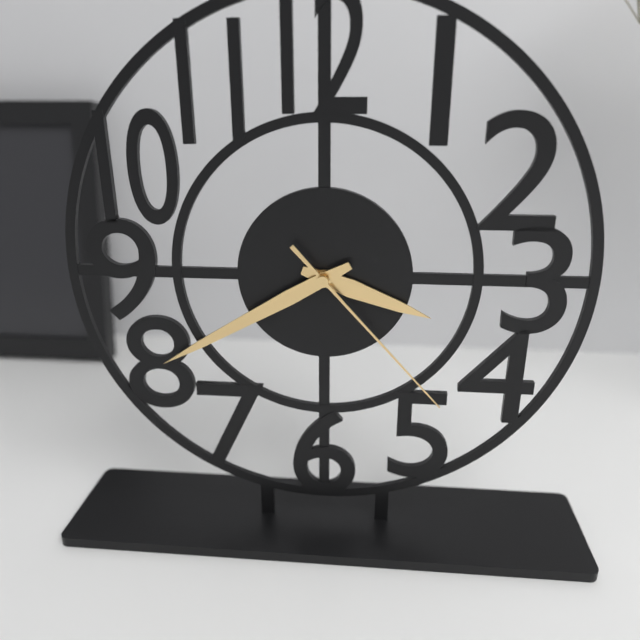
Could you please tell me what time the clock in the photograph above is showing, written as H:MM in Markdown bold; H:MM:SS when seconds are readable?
**3:40:23**
